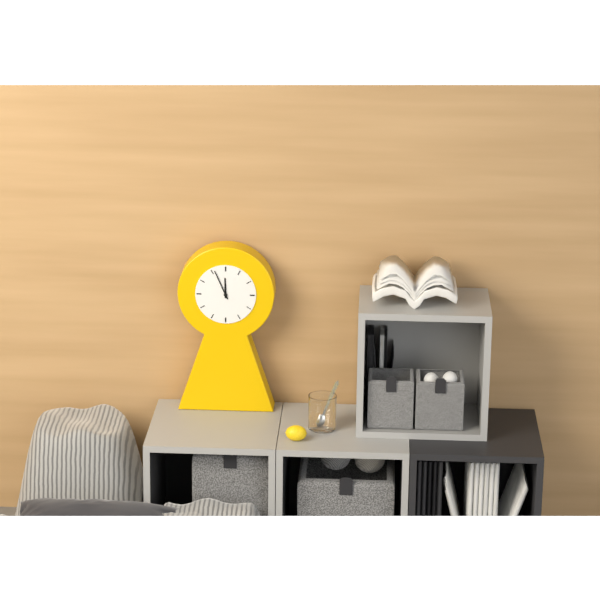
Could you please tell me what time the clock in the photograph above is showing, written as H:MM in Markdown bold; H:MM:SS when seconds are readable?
**11:56**
